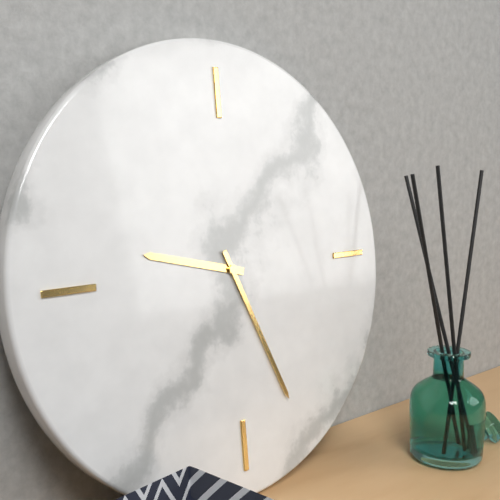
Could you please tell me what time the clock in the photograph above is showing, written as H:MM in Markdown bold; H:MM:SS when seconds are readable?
**9:26**
